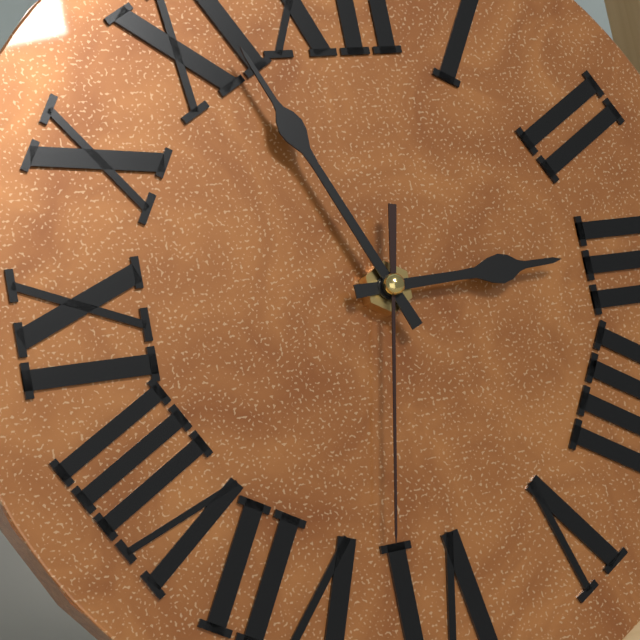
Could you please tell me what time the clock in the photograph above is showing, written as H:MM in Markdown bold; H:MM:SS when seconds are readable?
**2:56:32**
